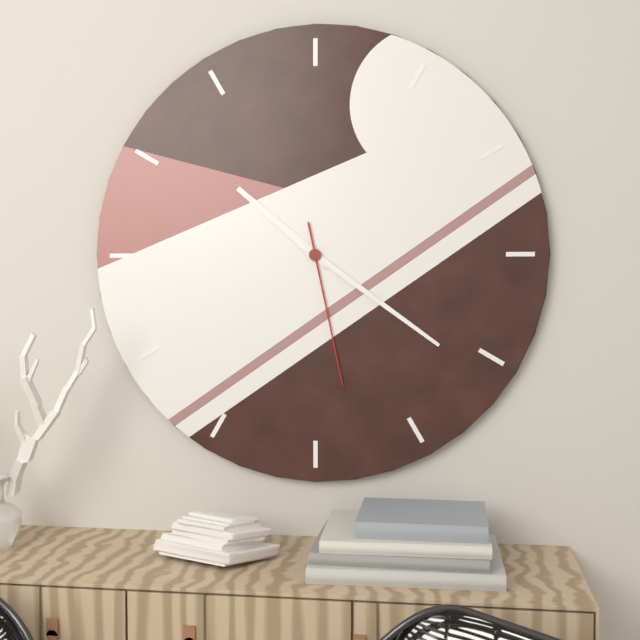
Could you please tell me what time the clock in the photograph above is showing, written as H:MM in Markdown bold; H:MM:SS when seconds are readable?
**10:21:28**
